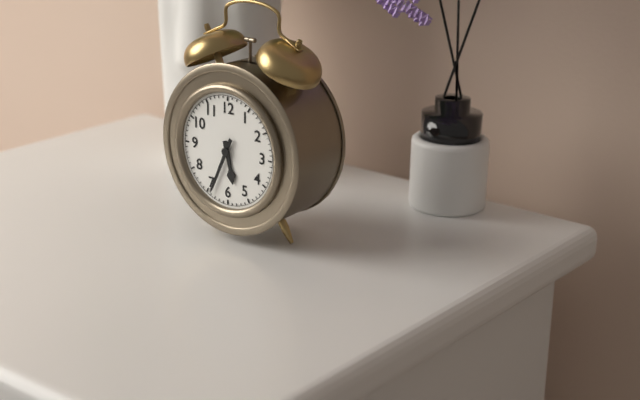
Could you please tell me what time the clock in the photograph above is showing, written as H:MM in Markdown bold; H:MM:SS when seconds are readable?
**5:34**
